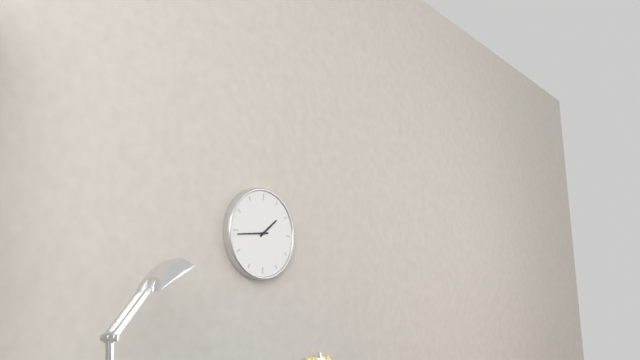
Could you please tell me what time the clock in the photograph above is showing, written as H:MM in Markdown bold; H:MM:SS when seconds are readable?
**1:44**
